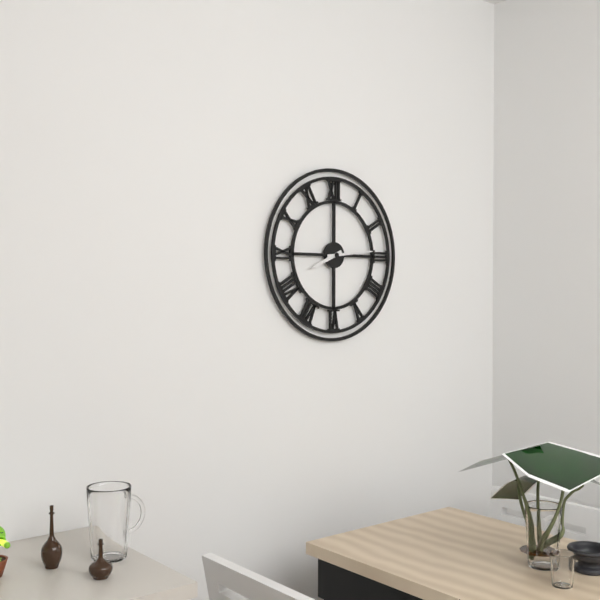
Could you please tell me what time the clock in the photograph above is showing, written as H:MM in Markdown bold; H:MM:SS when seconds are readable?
**8:14**
